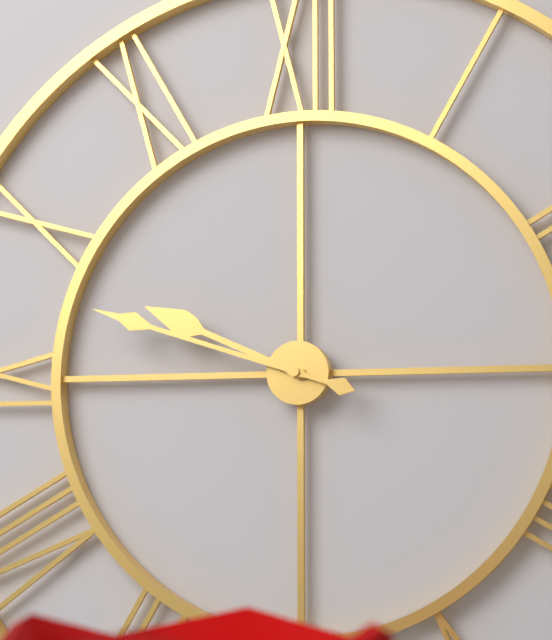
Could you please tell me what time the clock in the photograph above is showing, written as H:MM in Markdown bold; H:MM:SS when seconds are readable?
**9:48**
